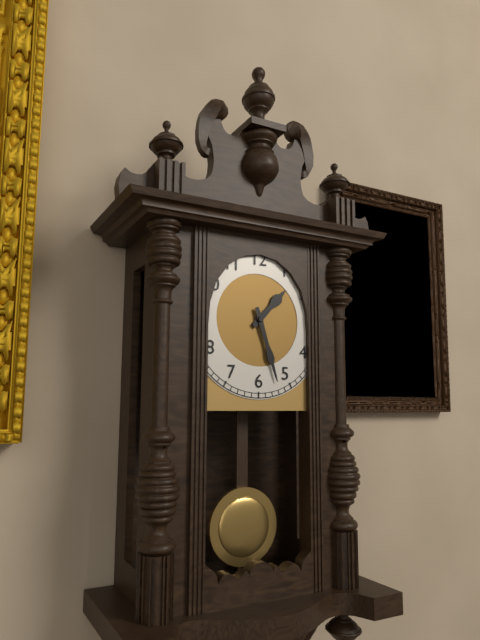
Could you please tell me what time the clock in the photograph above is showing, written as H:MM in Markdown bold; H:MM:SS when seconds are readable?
**1:27**
